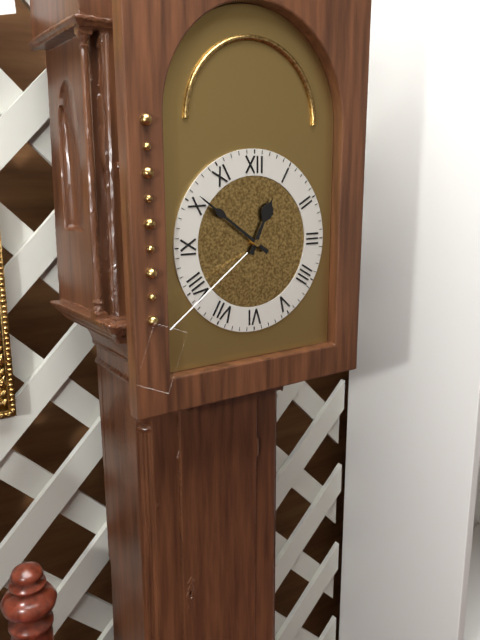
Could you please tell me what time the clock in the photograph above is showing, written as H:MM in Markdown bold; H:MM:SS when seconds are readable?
**12:51**
